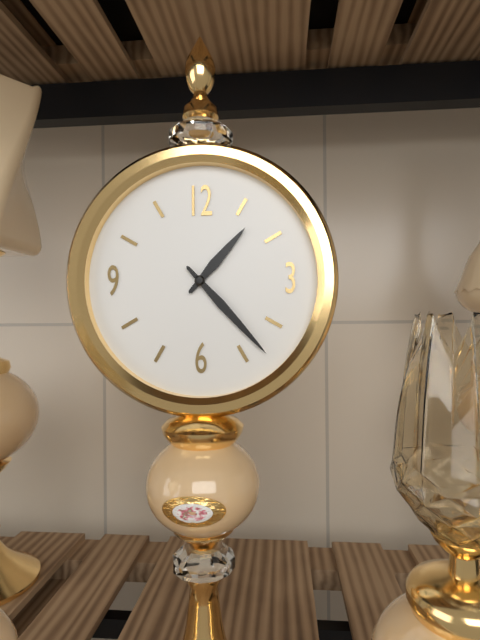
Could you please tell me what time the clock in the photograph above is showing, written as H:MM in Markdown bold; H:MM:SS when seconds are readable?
**1:23**
